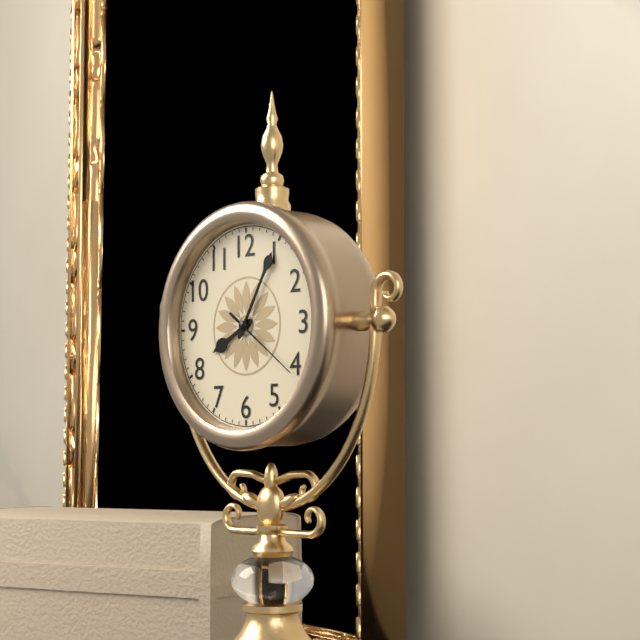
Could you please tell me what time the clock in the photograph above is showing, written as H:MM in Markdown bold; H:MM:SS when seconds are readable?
**8:05:21**
